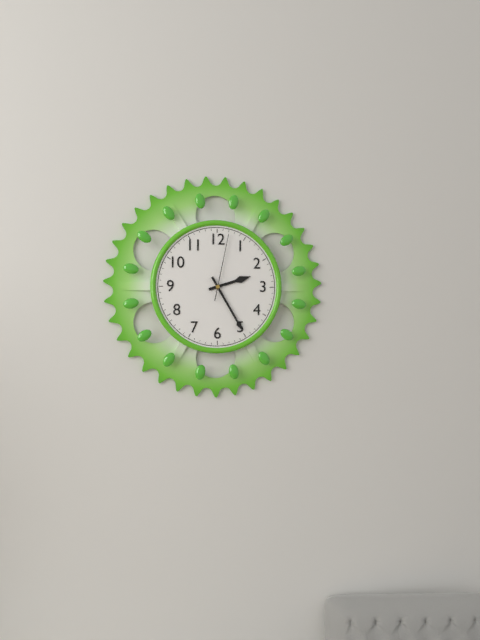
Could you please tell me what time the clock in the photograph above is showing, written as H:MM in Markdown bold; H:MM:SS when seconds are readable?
**2:25:02**
